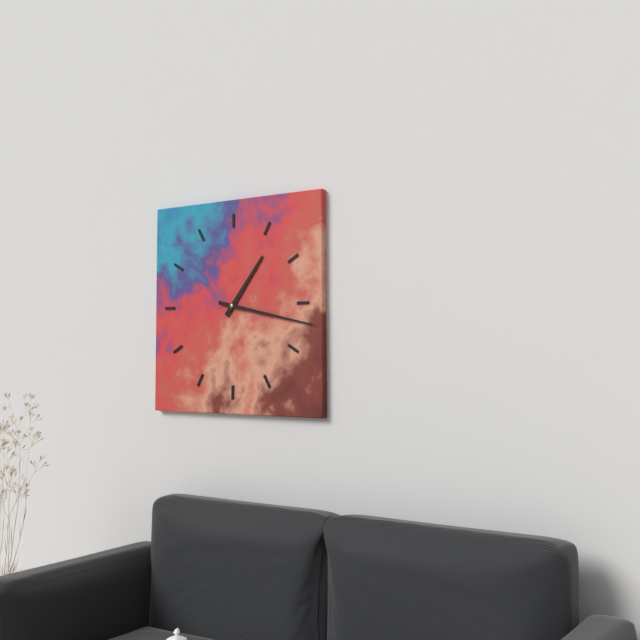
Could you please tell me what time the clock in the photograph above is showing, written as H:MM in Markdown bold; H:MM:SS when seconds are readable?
**1:17**
